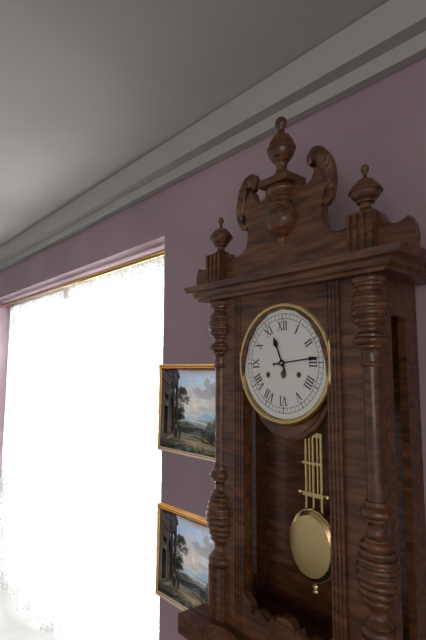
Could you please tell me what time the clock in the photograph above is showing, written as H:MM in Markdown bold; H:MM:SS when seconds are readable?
**11:14**
